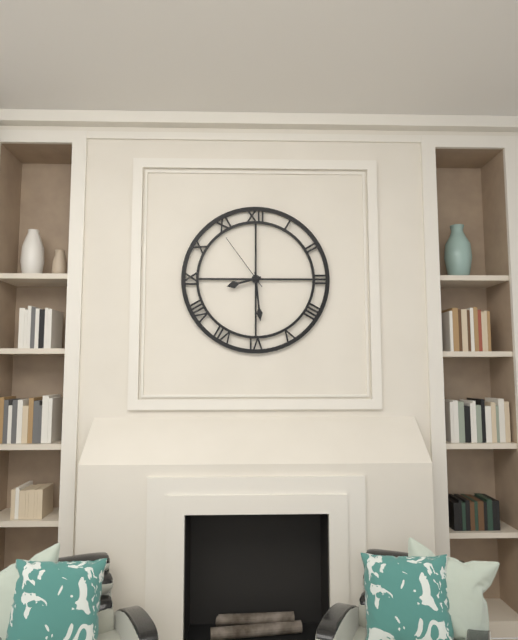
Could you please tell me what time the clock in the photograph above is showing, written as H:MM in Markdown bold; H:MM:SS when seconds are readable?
**8:29:54**
